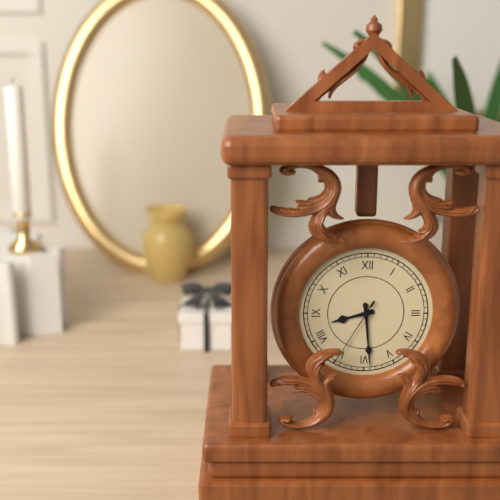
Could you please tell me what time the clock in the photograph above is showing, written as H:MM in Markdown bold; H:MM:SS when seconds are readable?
**8:29:35**
